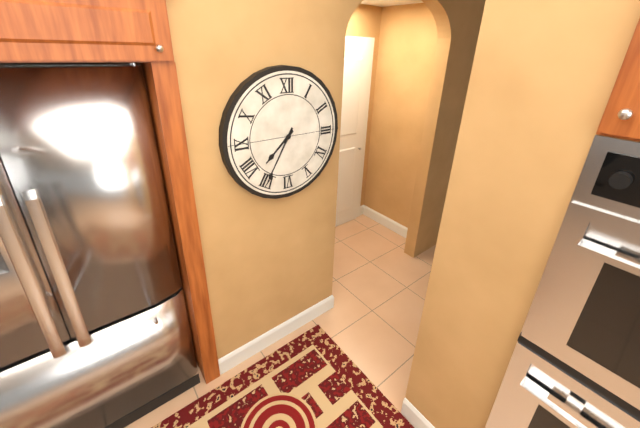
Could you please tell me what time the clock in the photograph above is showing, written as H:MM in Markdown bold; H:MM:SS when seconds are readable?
**7:35**
